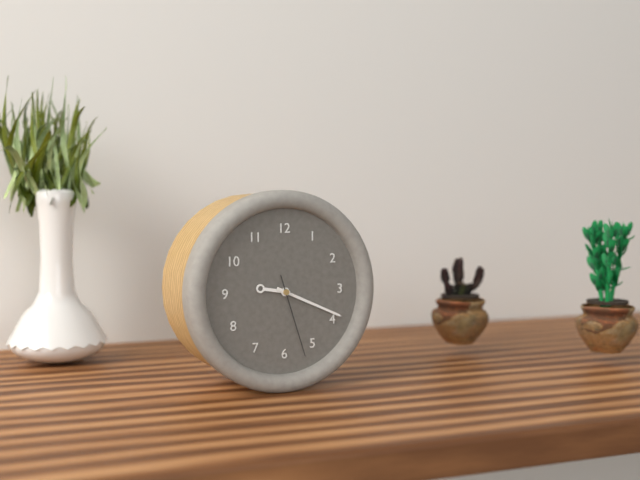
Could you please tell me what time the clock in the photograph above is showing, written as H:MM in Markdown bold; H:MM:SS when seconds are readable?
**9:19:27**
